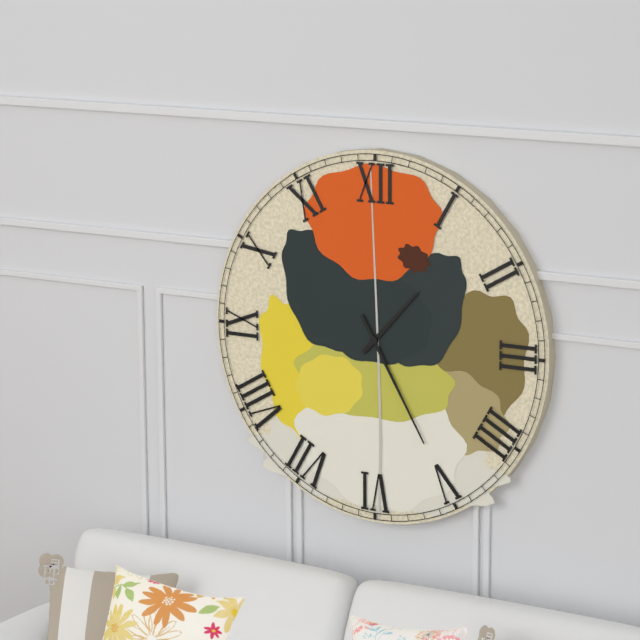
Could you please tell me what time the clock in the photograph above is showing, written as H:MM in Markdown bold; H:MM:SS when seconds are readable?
**1:25**
